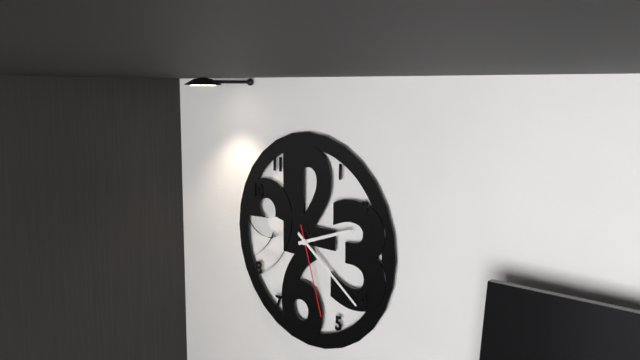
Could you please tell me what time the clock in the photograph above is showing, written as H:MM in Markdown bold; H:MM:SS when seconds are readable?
**2:21:27**
